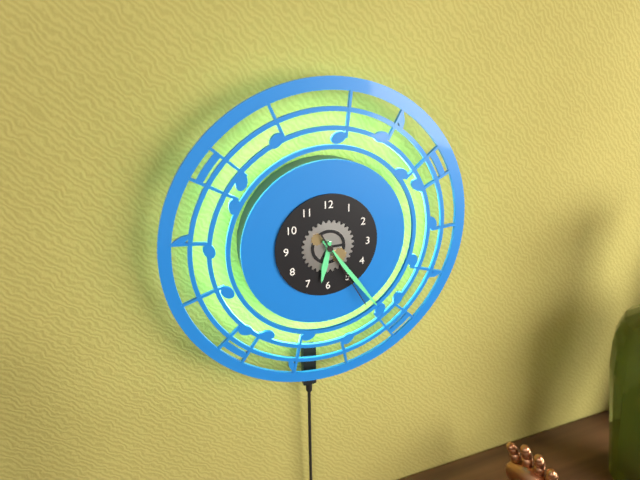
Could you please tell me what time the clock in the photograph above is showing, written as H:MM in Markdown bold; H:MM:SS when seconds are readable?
**6:24:25**
